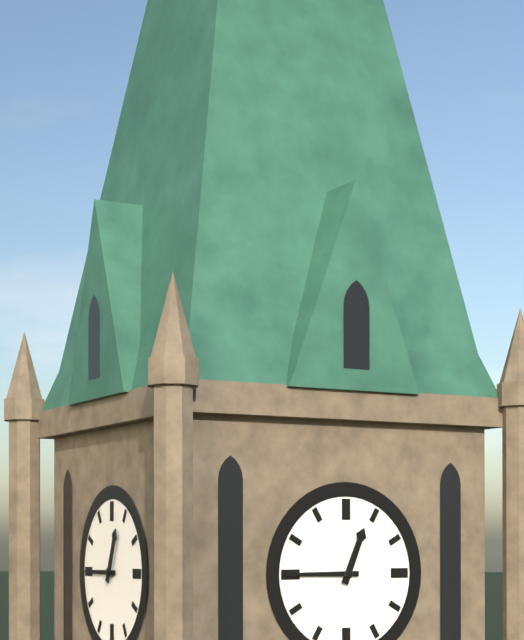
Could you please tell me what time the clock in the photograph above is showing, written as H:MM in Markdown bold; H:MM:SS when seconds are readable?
**12:45**
